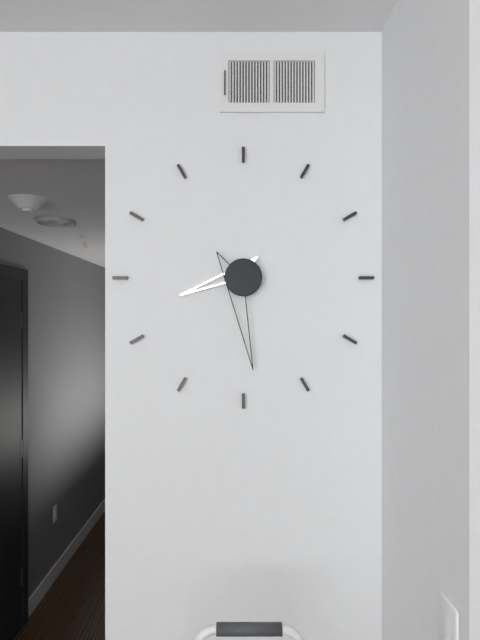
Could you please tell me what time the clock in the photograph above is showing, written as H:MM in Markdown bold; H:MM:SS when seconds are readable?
**8:29**
